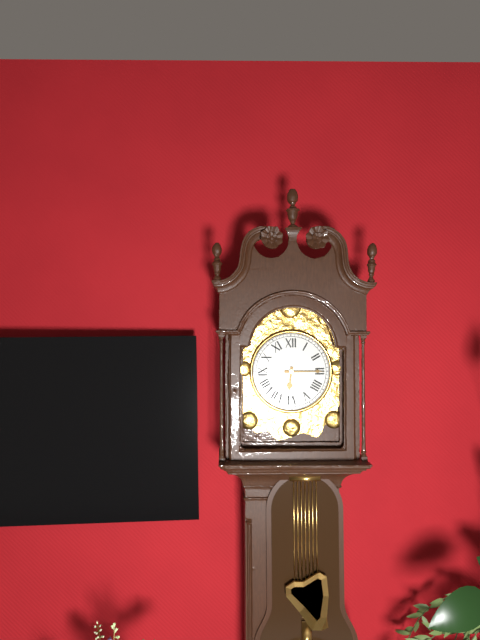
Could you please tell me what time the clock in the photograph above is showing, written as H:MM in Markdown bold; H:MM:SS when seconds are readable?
**6:15**
